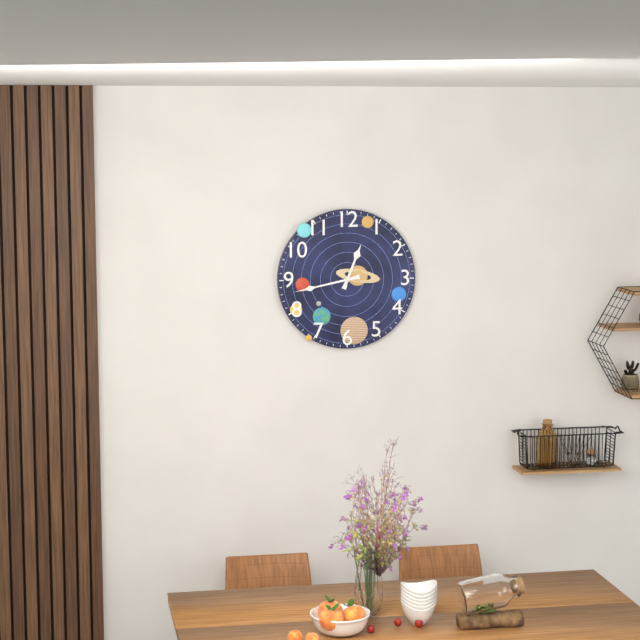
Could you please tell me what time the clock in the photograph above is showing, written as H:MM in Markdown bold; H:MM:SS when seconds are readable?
**12:43**
